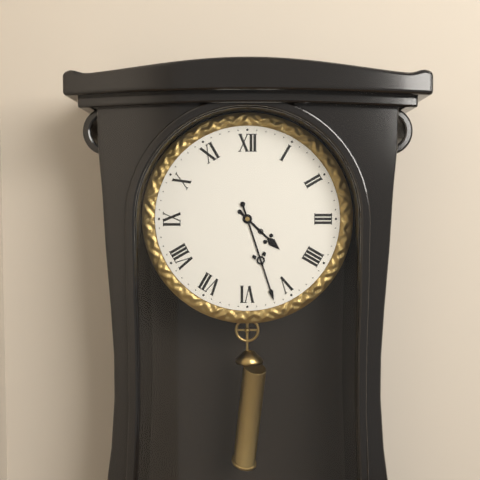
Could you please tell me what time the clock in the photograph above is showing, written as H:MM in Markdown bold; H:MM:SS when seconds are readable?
**4:27**
